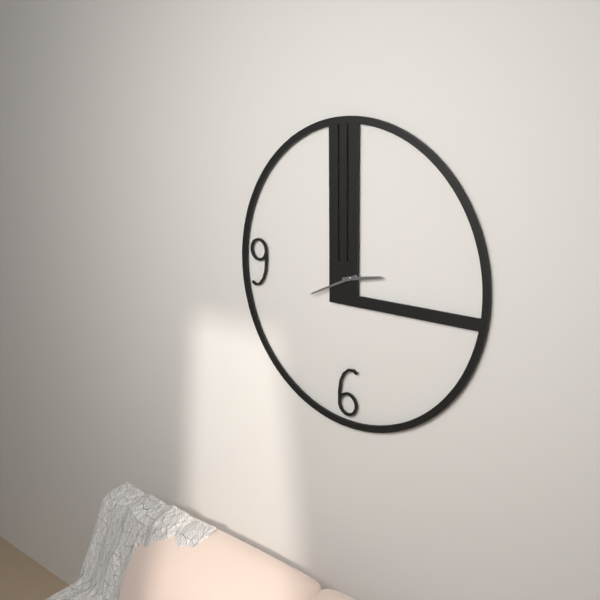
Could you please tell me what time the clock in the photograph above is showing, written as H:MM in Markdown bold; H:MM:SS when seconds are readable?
**2:41**
